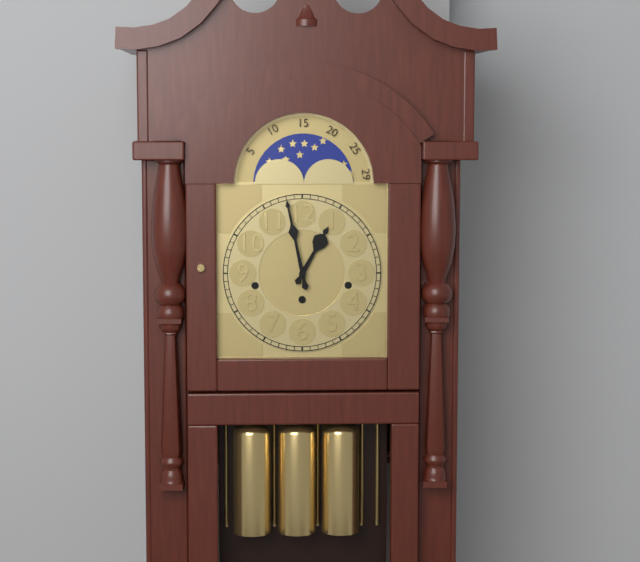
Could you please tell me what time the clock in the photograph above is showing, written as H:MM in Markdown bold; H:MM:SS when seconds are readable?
**12:58**
